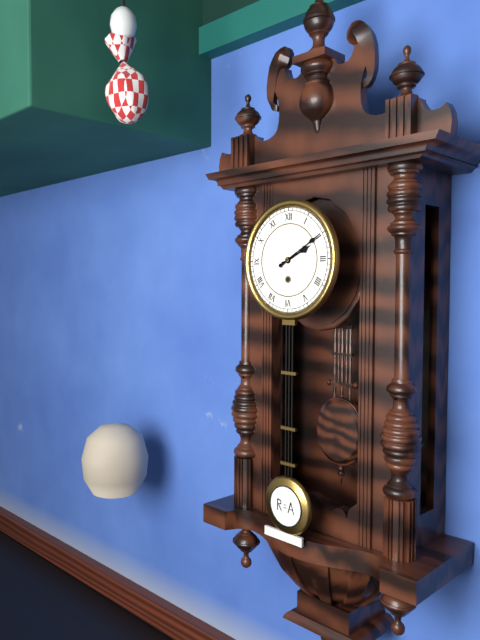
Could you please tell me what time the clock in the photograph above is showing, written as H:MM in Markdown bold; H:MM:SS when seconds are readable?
**2:10**
